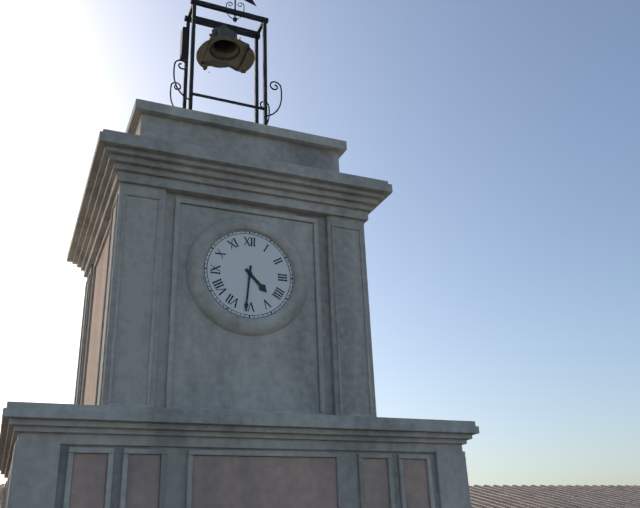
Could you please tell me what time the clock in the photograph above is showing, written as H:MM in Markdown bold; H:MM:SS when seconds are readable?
**4:31**
